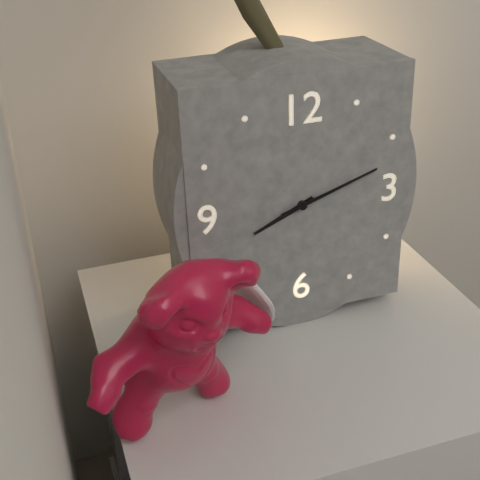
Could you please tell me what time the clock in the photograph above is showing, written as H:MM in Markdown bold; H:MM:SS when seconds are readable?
**8:12**
